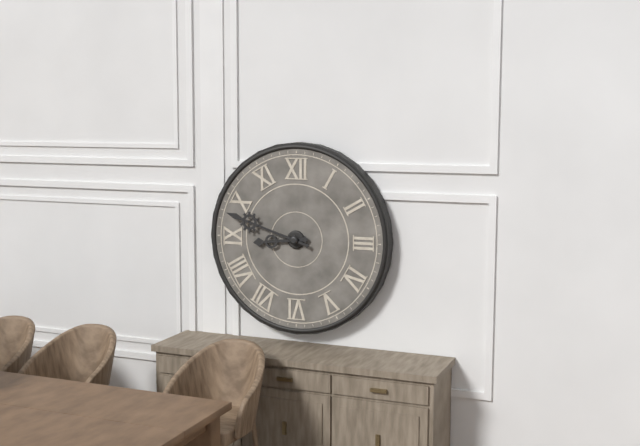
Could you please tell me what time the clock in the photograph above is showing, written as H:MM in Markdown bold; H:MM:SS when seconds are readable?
**8:48**
